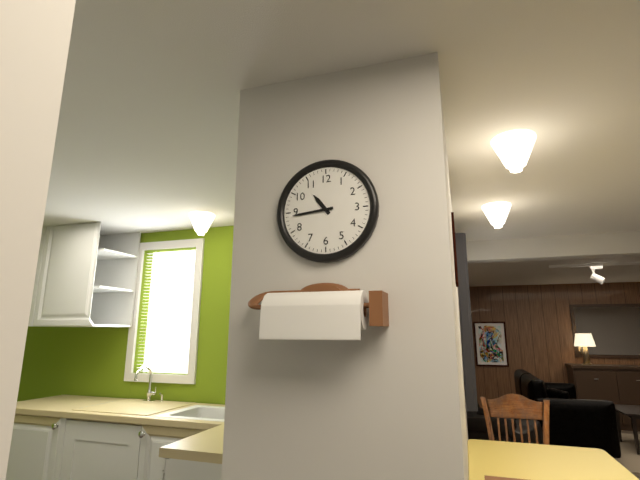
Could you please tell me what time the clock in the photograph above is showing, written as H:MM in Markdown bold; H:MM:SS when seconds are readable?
**10:44**
